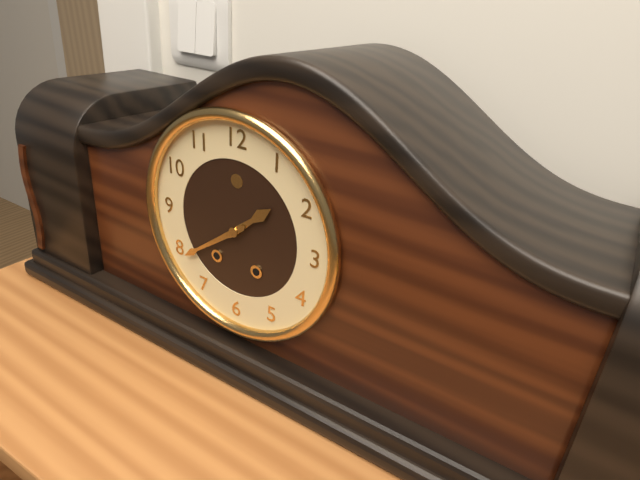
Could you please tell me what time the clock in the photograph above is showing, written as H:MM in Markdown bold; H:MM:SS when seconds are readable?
**1:39**
